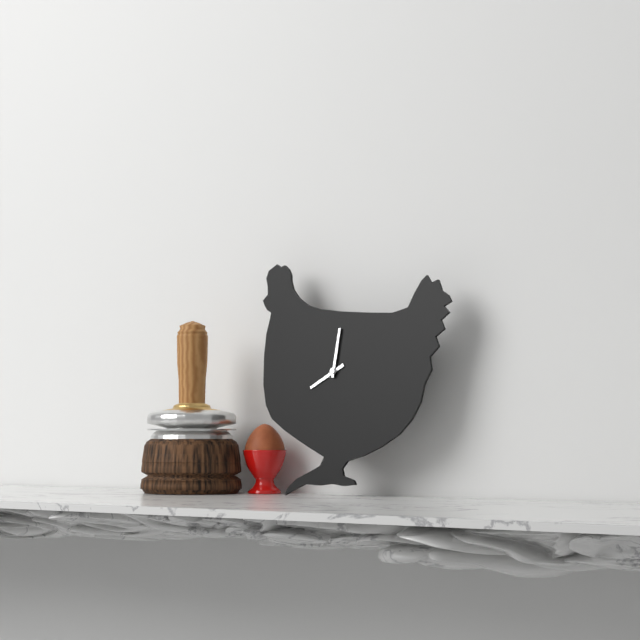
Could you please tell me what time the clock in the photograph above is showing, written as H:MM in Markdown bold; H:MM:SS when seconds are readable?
**8:01**
